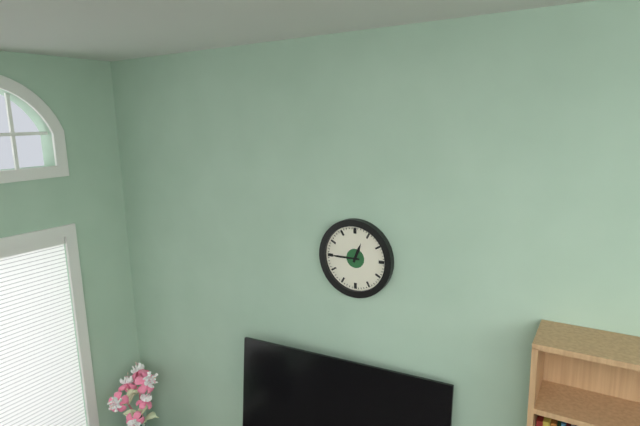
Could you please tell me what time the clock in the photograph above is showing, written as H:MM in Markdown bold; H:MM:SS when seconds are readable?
**12:45**
